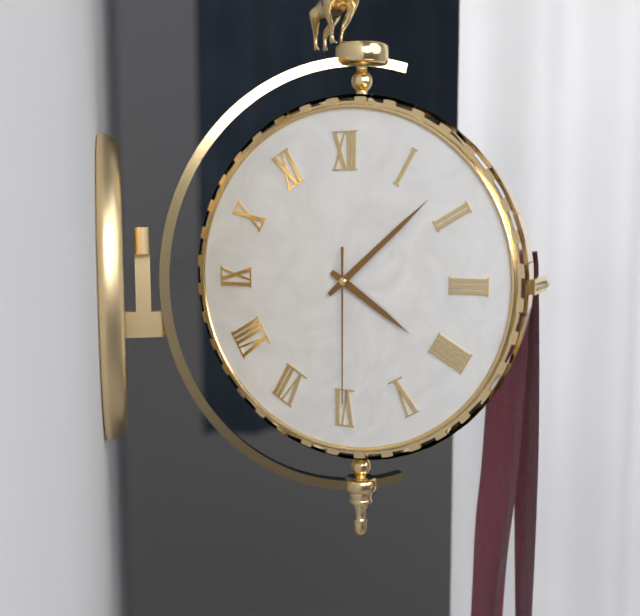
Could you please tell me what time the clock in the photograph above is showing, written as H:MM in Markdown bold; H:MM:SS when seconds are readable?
**4:08:30**
